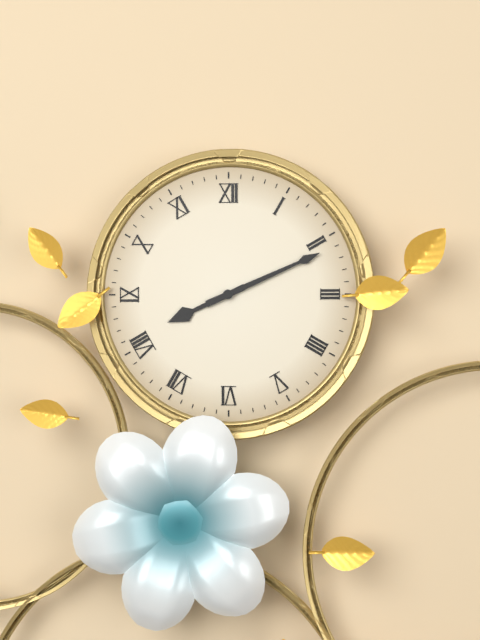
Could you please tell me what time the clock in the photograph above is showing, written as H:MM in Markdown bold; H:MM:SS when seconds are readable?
**8:11**
